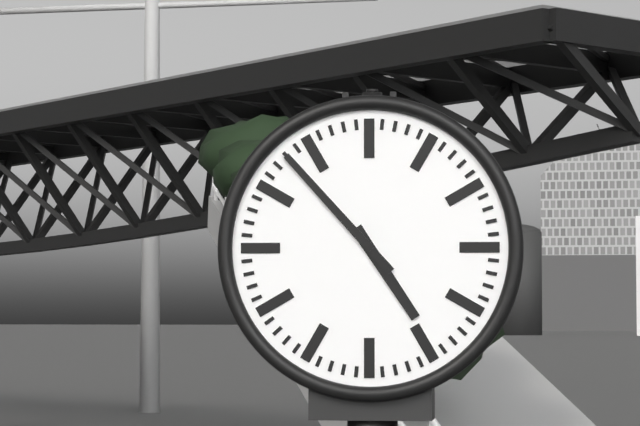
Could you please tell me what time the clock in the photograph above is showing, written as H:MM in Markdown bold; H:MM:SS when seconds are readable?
**4:53**
